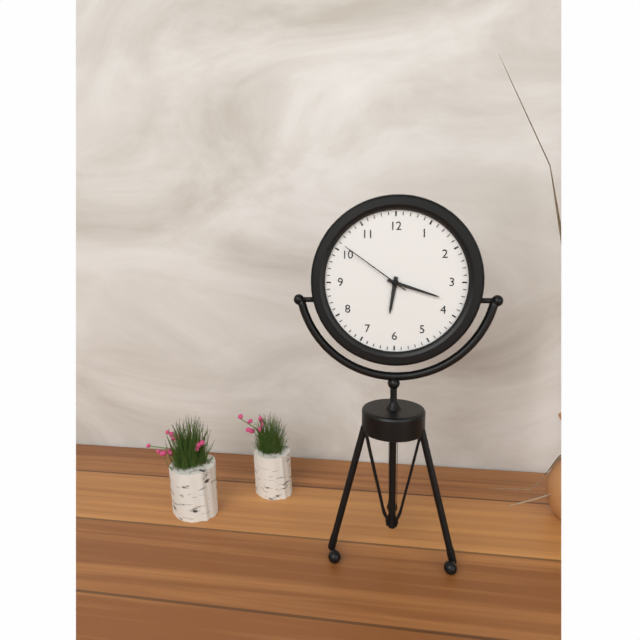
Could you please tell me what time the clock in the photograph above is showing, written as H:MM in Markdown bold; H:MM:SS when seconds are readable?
**6:18:51**
